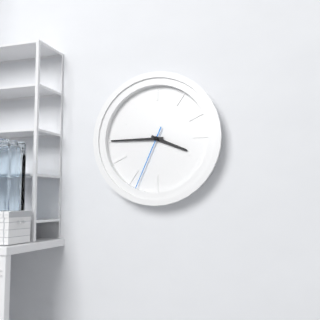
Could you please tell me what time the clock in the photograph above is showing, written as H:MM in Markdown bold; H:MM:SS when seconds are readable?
**3:45:34**
